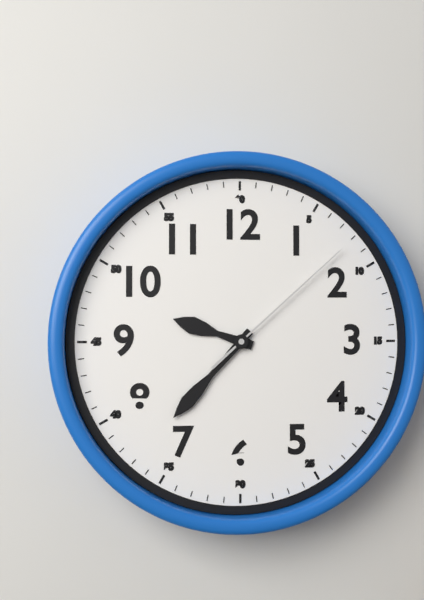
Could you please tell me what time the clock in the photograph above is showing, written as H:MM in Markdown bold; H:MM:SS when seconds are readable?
**9:37:08**
